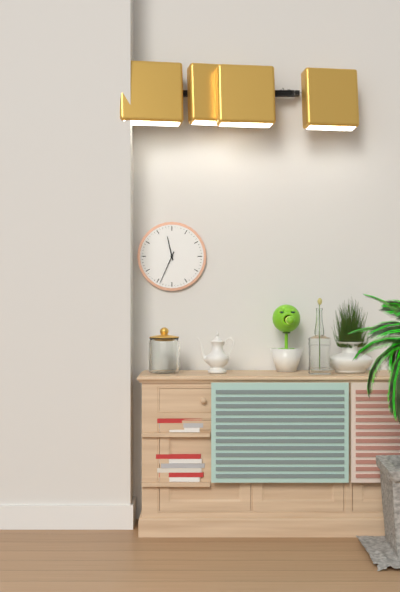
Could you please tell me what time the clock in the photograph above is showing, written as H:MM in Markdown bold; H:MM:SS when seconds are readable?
**11:34**
